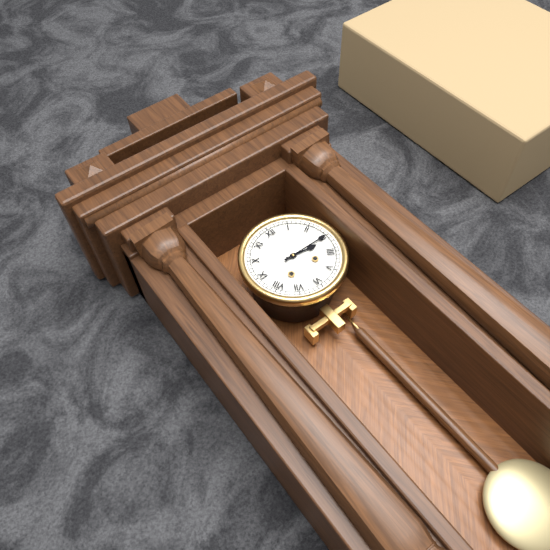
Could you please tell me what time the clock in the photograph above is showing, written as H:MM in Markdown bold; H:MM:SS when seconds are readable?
**3:15**
